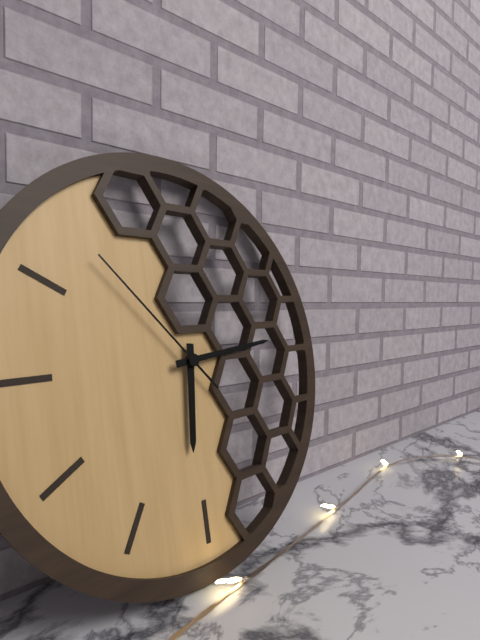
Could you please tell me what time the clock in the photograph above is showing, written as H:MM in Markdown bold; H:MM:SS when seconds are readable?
**6:14:53**
